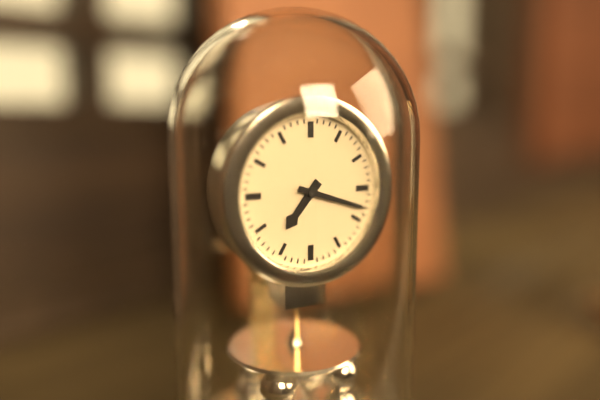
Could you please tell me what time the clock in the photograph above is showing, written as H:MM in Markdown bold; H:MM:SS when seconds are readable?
**7:18**
